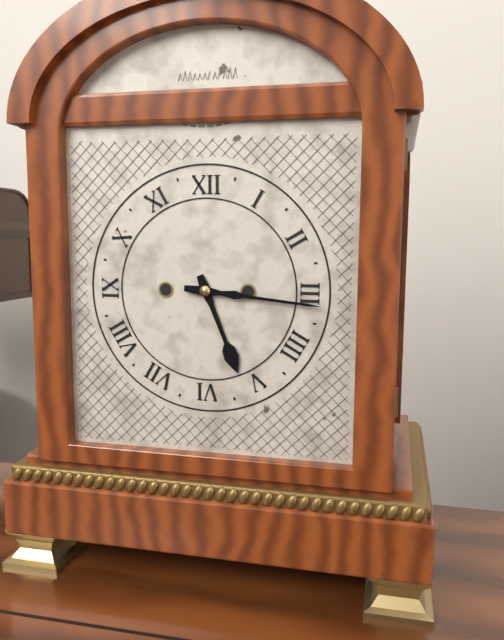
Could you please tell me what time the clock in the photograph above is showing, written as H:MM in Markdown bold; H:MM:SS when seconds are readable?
**5:16**
